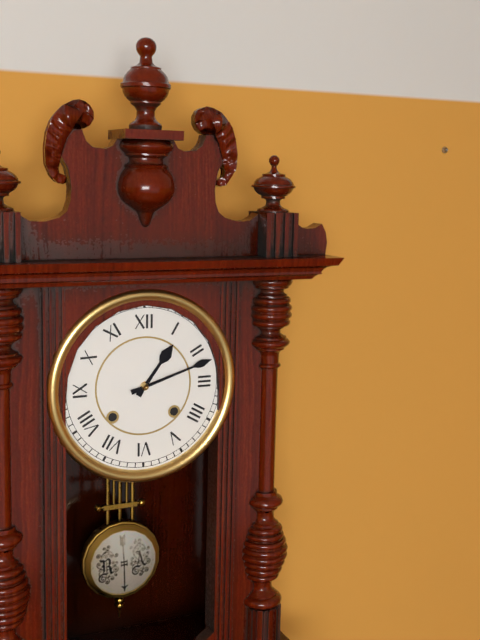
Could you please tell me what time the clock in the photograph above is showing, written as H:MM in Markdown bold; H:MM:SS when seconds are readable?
**1:12**
